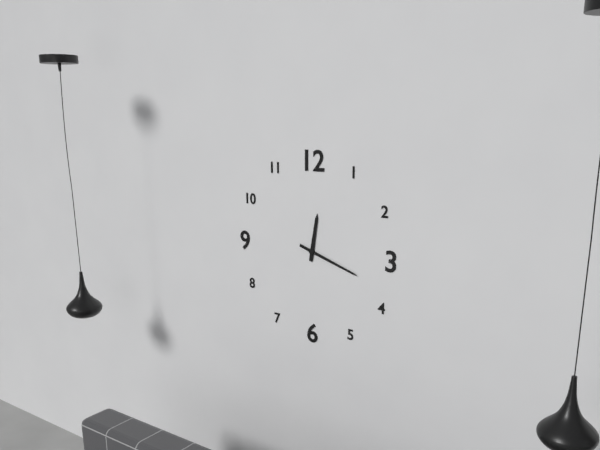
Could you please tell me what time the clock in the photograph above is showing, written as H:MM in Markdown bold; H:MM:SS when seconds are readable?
**12:18**
